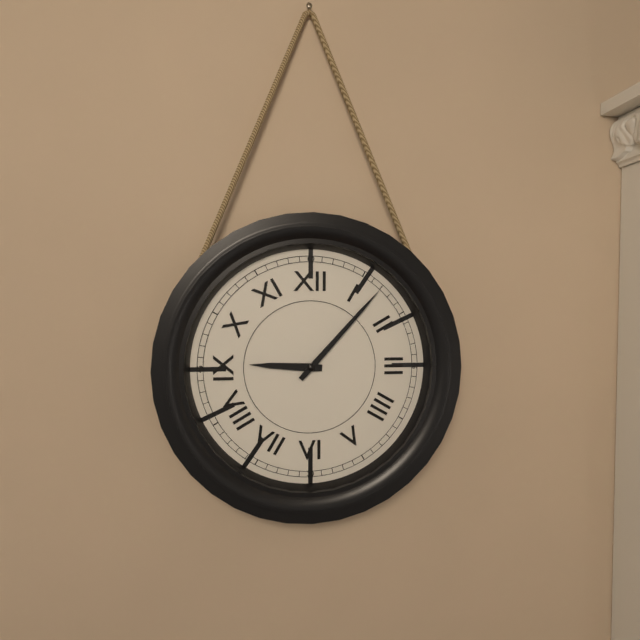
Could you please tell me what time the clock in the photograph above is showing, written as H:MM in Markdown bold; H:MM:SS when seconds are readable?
**9:07**
